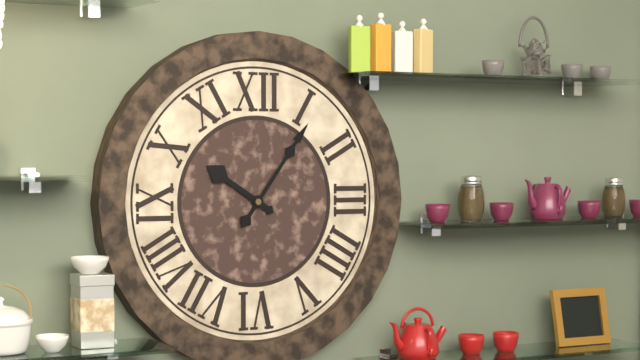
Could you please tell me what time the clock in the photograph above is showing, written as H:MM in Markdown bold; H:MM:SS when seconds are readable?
**10:06**
